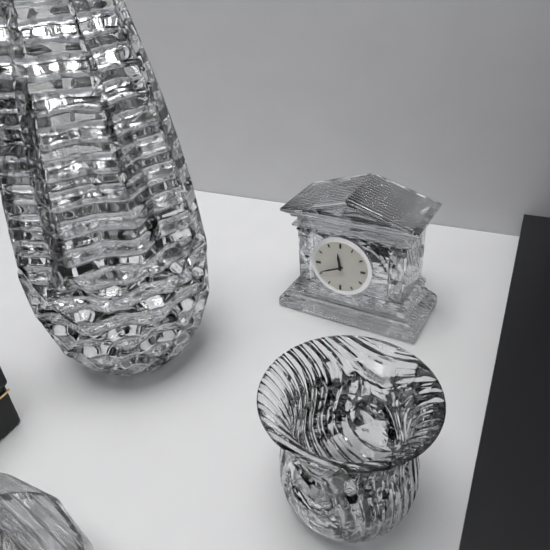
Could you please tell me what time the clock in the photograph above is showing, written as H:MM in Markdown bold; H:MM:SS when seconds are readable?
**11:41**
